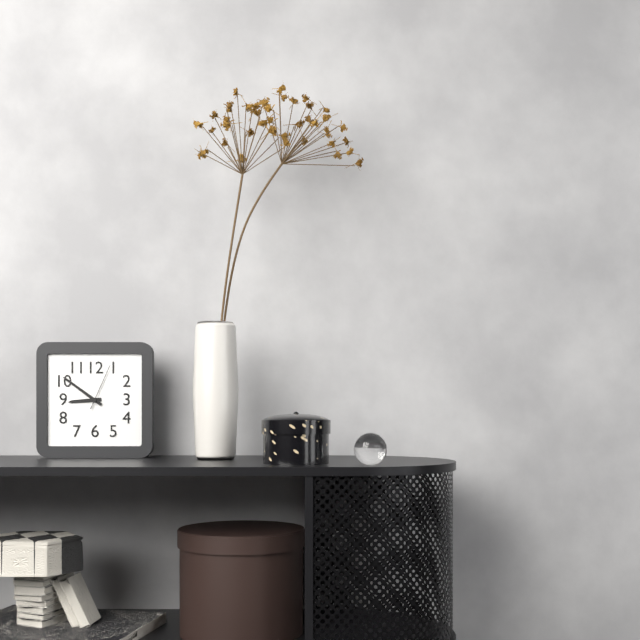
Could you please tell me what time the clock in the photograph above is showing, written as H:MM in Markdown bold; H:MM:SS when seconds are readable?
**8:51**
